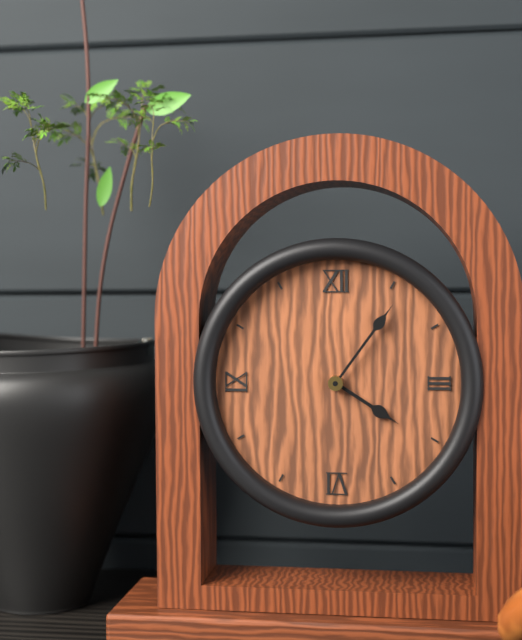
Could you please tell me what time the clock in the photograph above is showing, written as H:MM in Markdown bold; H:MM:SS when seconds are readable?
**4:06**
